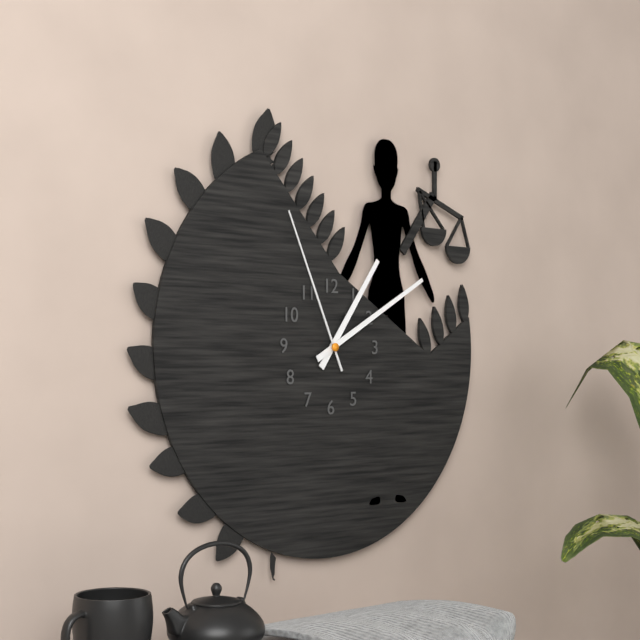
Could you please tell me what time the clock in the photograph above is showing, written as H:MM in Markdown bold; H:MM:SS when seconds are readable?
**1:10:56**
